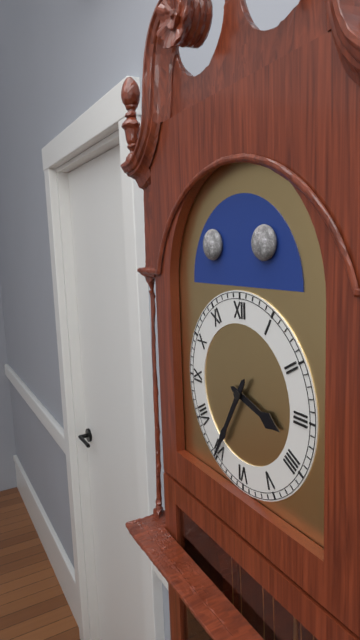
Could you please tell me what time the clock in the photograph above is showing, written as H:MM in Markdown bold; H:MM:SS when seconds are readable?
**3:35**
